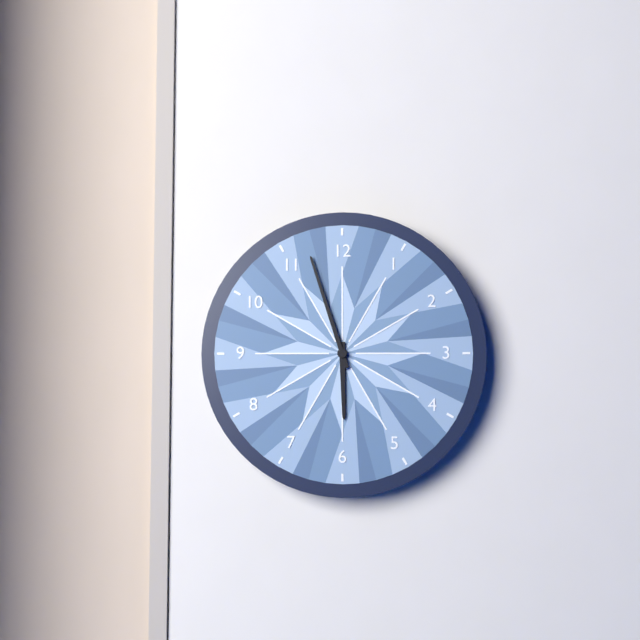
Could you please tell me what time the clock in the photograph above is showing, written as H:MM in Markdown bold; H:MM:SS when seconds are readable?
**5:57**
